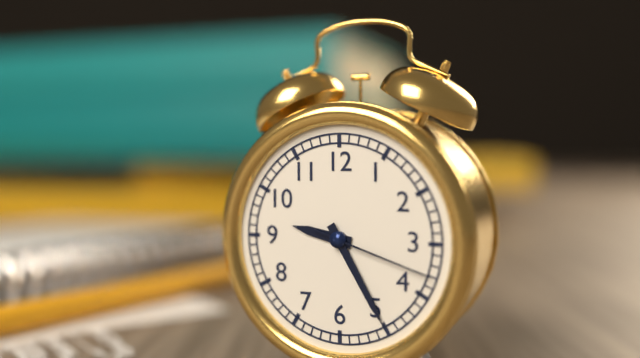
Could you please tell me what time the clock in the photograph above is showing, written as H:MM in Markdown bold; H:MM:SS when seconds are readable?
**9:25:18**
